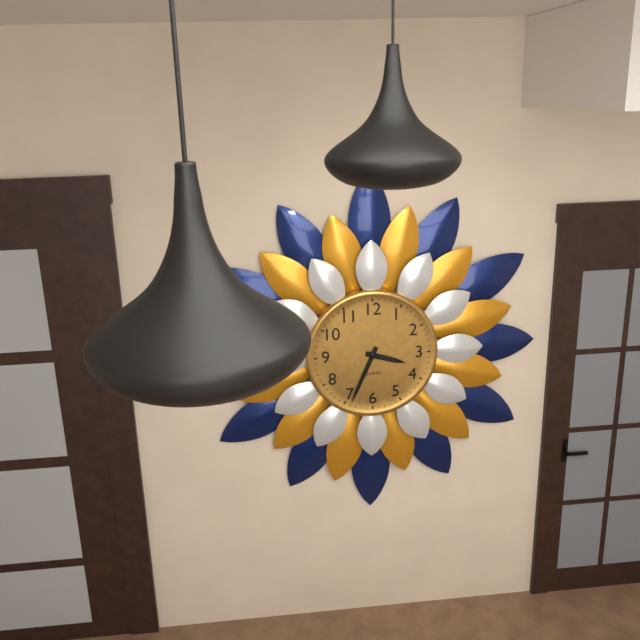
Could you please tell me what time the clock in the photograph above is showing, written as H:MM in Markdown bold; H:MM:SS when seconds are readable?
**3:34**
